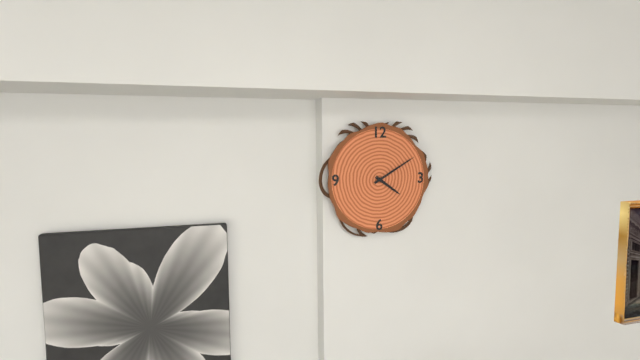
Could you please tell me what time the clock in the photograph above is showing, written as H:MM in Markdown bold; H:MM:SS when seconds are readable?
**4:10**
